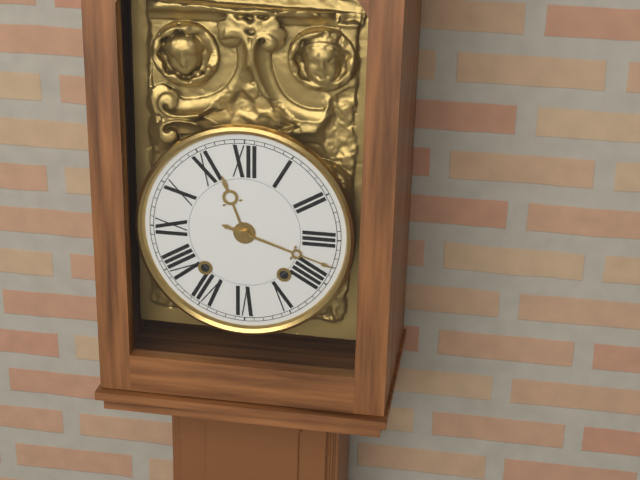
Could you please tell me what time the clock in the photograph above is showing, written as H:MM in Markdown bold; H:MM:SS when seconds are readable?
**11:18**
